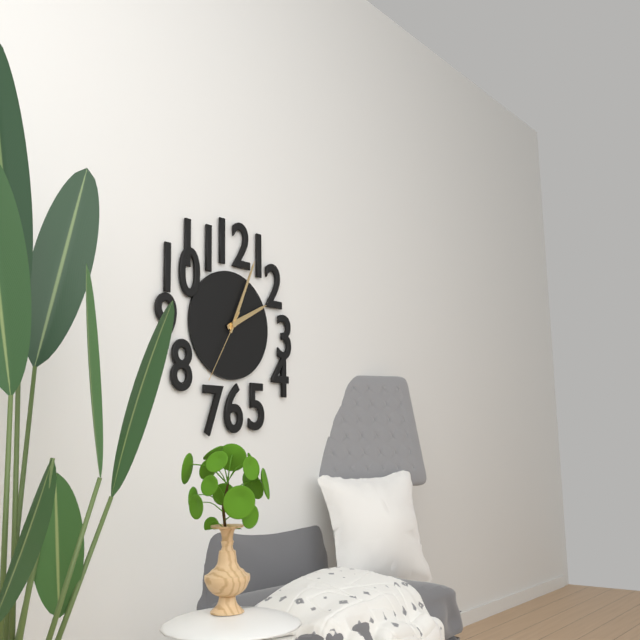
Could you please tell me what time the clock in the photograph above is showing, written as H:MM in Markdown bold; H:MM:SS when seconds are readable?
**2:04:35**
